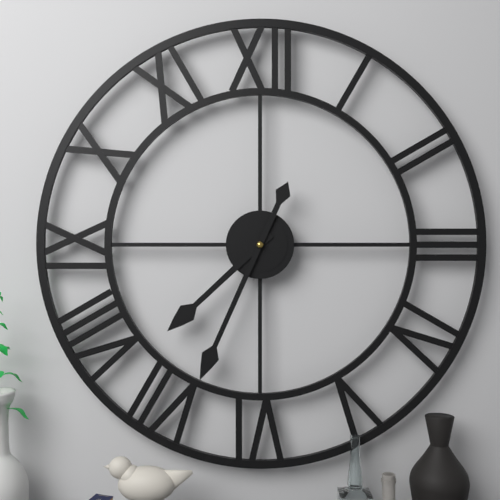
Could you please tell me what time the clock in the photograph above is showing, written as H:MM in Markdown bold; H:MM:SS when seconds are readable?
**7:34**
